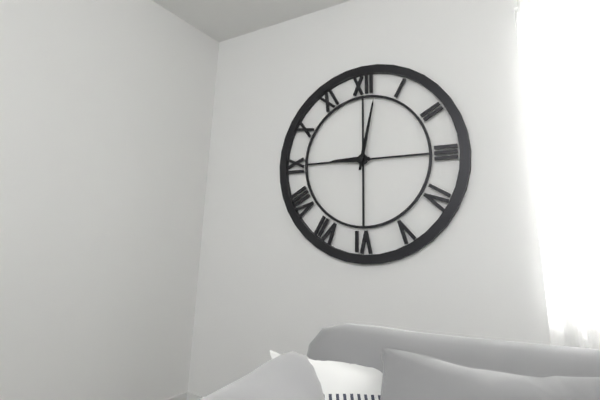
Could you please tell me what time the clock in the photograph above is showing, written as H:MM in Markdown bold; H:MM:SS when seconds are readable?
**9:02**
